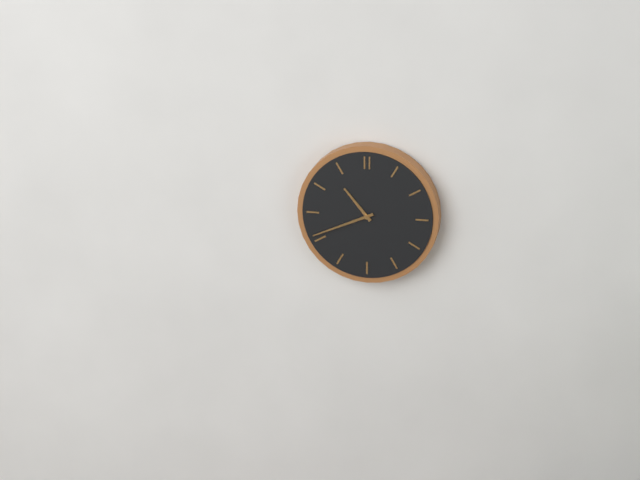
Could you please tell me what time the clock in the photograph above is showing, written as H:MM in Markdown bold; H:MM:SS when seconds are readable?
**10:41**
